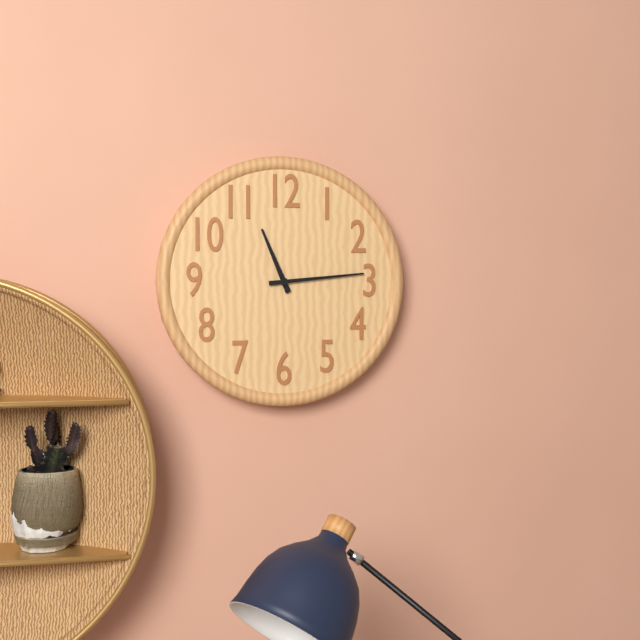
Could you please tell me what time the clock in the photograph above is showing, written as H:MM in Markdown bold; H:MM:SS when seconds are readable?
**11:14**
